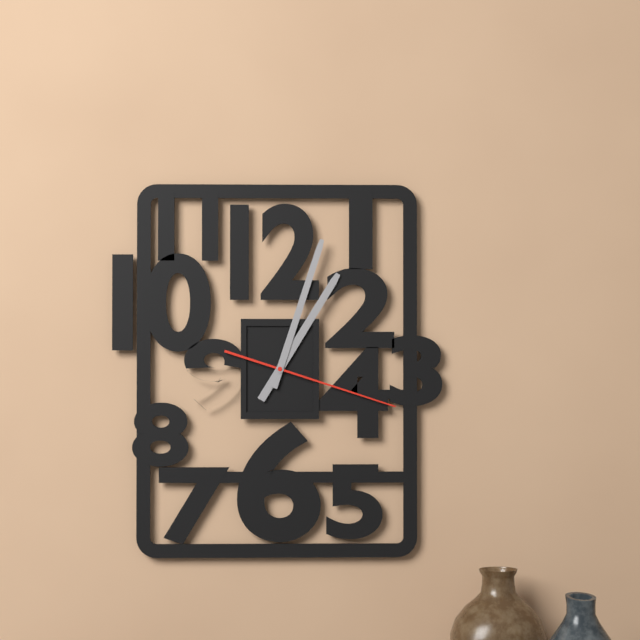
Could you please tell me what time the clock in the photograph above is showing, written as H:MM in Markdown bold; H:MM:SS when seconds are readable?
**1:03:18**
